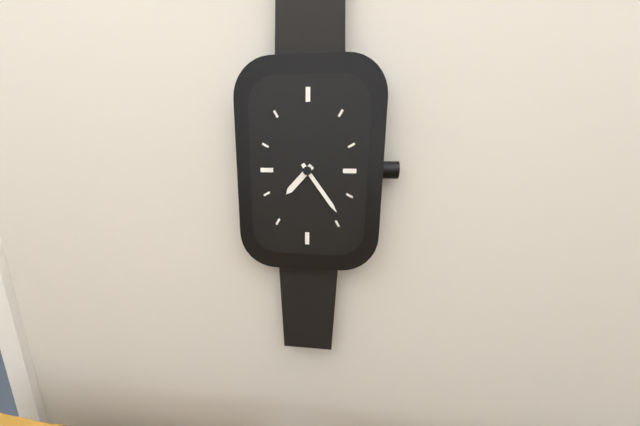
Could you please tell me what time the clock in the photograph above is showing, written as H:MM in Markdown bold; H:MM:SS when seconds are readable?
**7:24**
